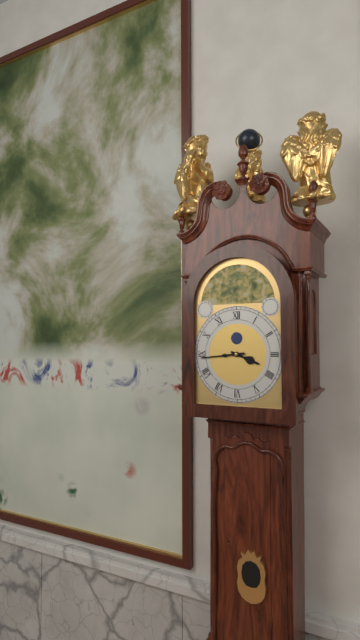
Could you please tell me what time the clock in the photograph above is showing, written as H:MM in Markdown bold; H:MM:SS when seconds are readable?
**3:44**
